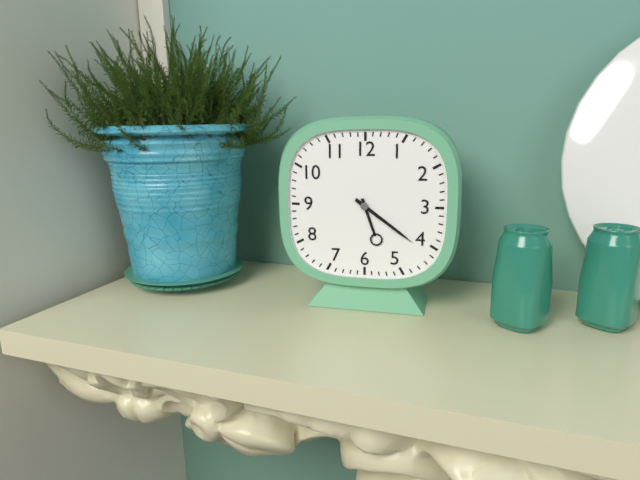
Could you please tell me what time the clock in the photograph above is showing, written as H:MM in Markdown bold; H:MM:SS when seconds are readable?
**5:21**
